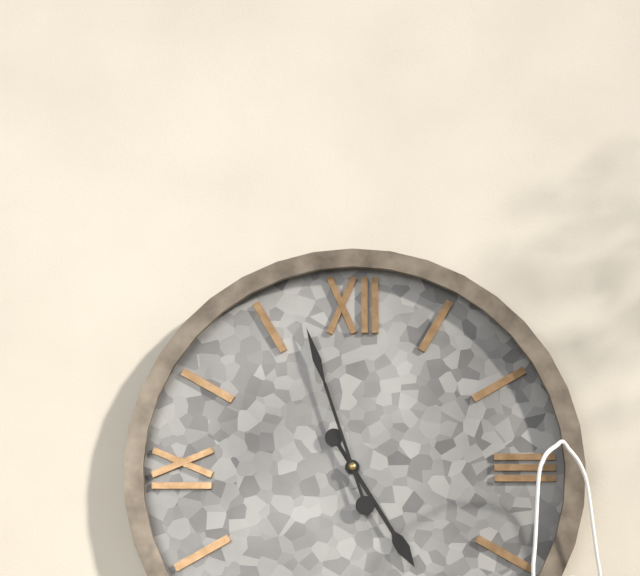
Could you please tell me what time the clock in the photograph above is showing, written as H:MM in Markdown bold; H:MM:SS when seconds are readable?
**4:57**
